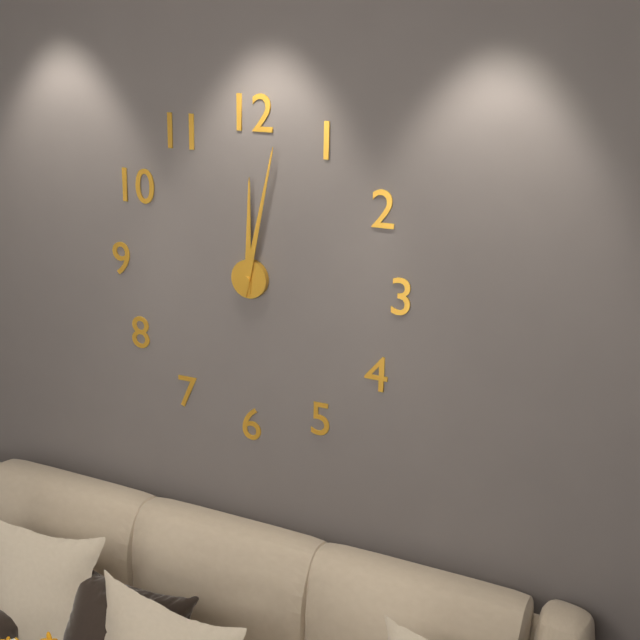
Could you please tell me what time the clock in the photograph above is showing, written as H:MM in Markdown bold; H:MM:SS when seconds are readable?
**12:02**
